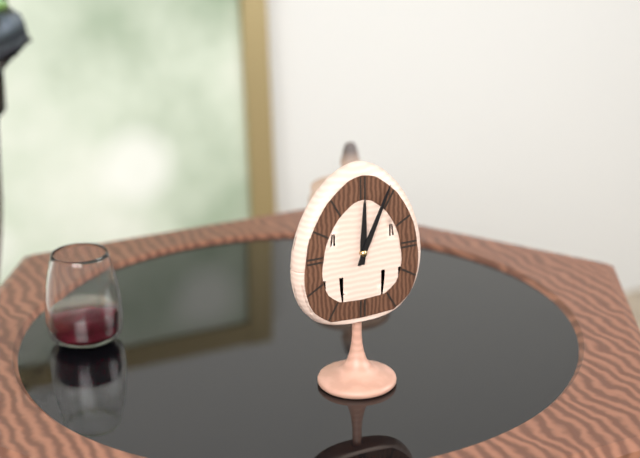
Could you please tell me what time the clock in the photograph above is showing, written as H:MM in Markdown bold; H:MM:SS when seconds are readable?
**12:04**
